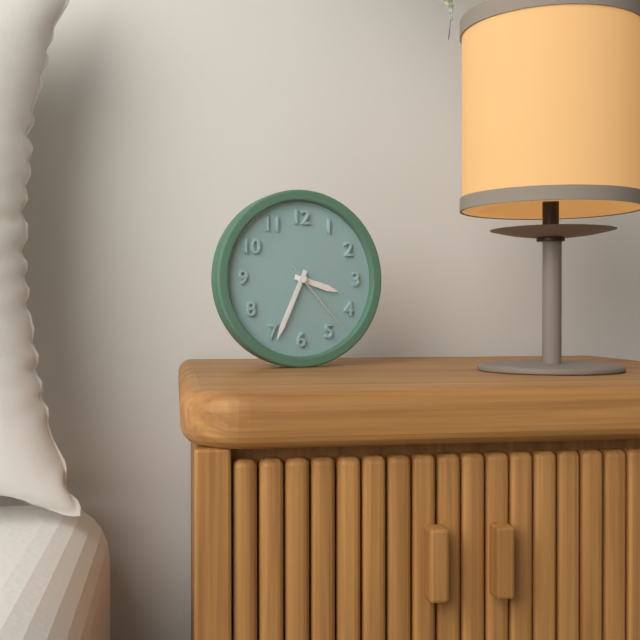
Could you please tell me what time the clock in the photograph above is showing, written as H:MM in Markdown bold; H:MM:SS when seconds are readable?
**3:34:23**
